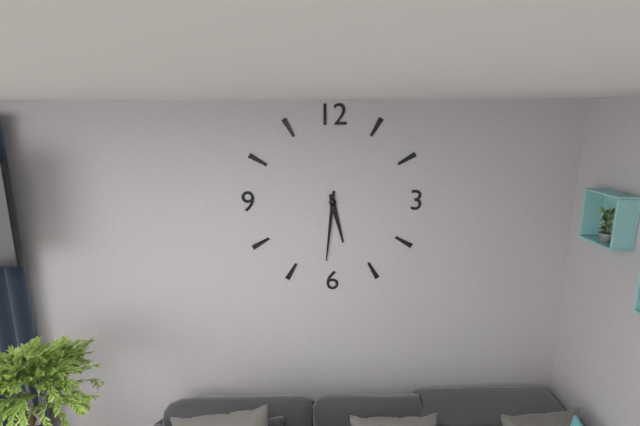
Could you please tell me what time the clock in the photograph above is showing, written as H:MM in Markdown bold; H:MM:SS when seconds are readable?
**5:31**
